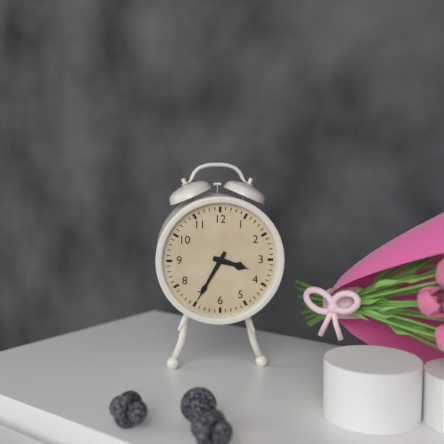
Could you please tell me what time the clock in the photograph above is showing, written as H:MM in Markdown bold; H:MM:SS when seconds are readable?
**3:35**
